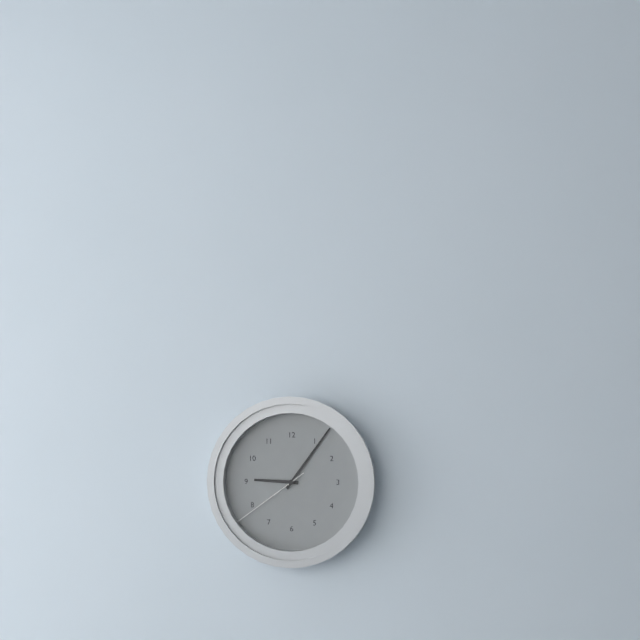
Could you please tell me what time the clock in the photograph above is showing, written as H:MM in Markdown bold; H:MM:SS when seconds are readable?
**9:06:39**
